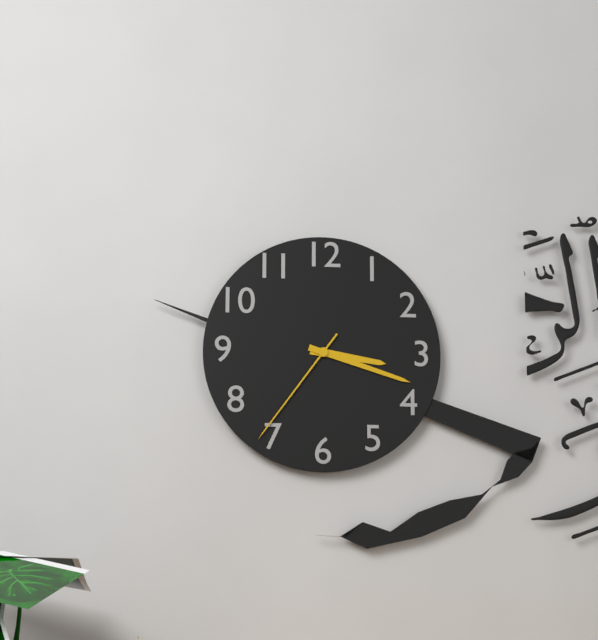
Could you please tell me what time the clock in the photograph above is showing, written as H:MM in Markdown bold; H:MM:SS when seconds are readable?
**3:18:36**
